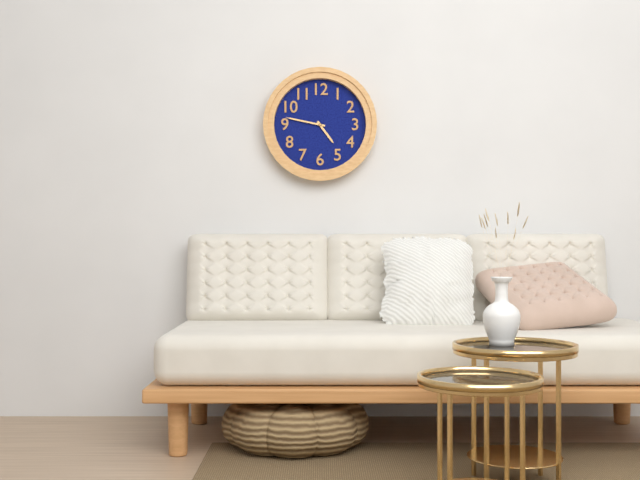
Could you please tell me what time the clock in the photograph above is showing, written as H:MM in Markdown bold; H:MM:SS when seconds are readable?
**4:47**
